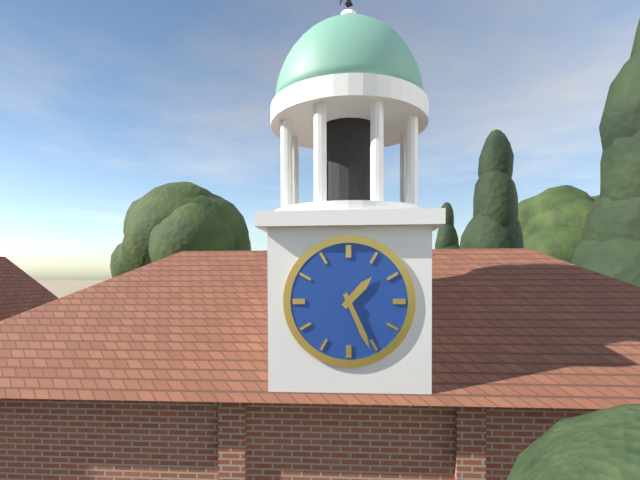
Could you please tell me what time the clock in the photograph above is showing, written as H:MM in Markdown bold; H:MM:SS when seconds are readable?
**1:26**
